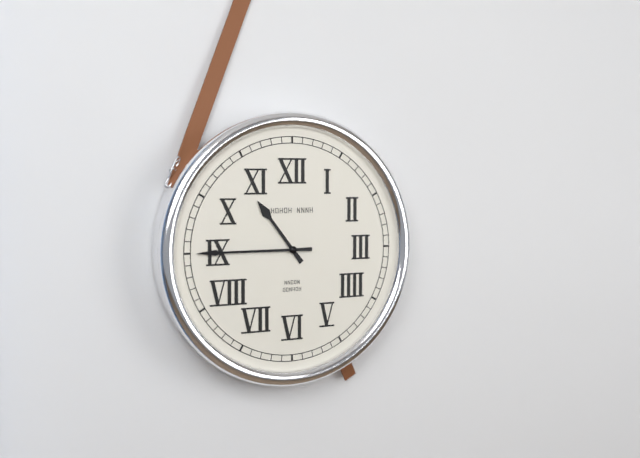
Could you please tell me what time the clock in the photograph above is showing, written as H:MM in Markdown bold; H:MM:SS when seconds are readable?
**10:45**
